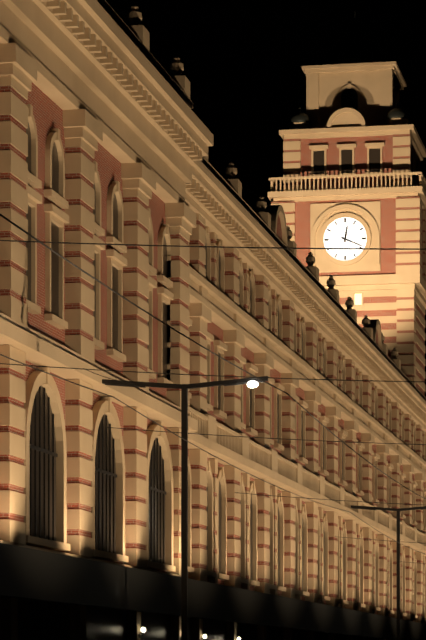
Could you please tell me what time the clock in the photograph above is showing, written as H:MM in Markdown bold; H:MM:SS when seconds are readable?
**12:19**
